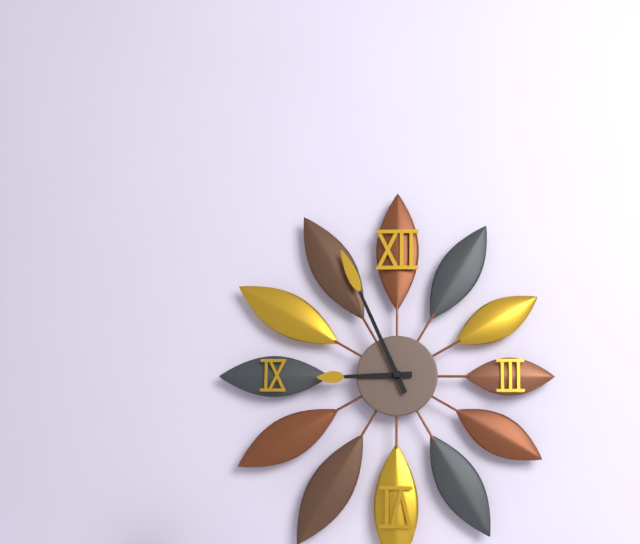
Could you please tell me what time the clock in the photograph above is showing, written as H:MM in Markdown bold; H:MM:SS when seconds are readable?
**8:56**
